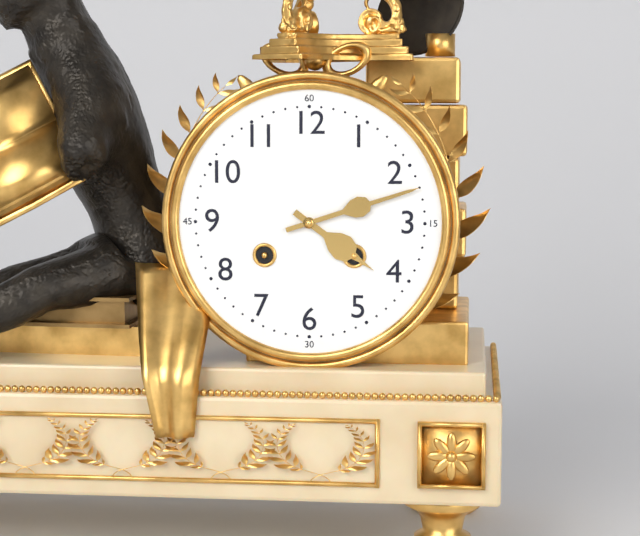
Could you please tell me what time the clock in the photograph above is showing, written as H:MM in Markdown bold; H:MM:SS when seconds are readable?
**4:12**
